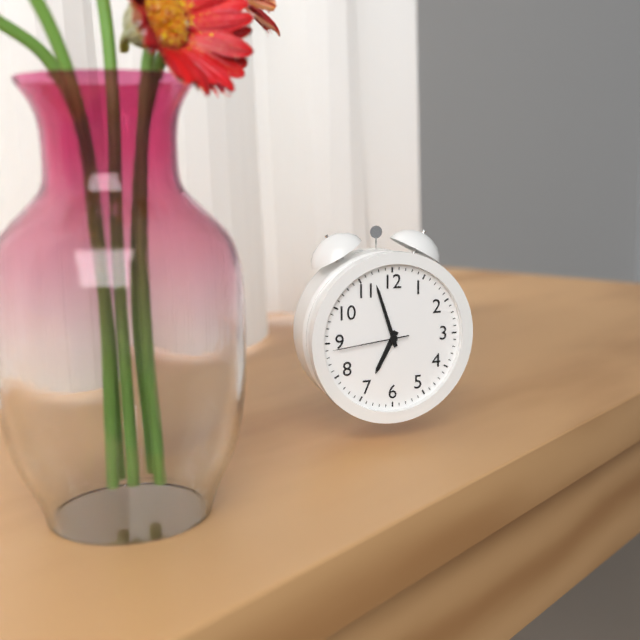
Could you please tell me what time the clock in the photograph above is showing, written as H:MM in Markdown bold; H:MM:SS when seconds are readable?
**6:57:44**
